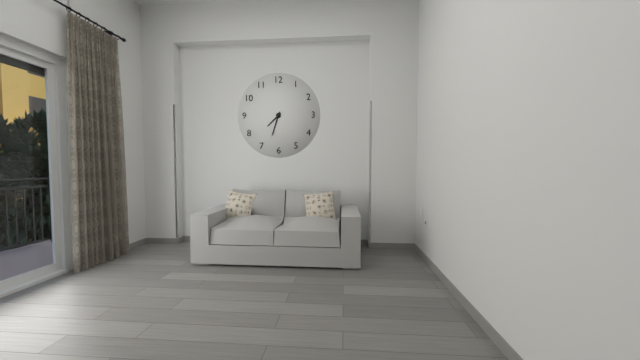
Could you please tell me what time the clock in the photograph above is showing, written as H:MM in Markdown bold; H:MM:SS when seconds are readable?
**7:33**
